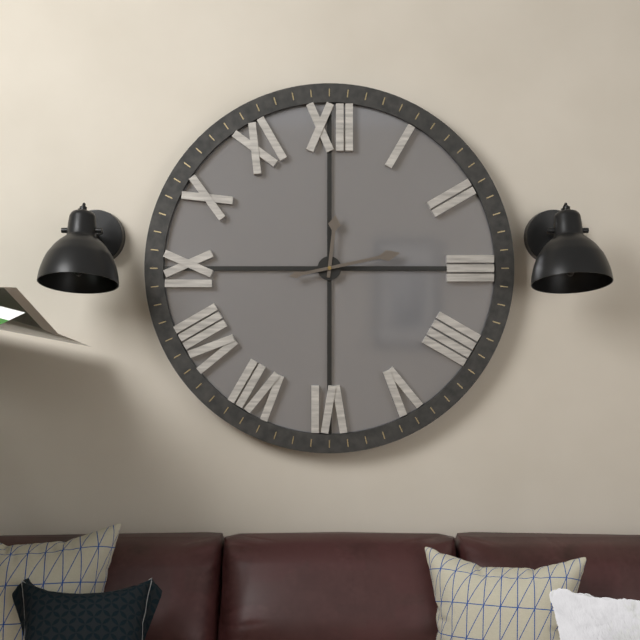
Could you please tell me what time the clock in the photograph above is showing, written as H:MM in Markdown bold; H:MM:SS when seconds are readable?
**12:13**
